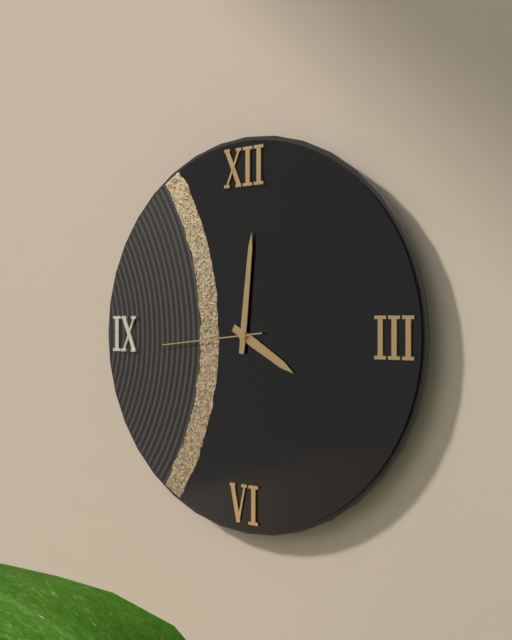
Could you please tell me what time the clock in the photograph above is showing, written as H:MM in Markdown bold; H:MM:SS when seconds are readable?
**4:01:44**
